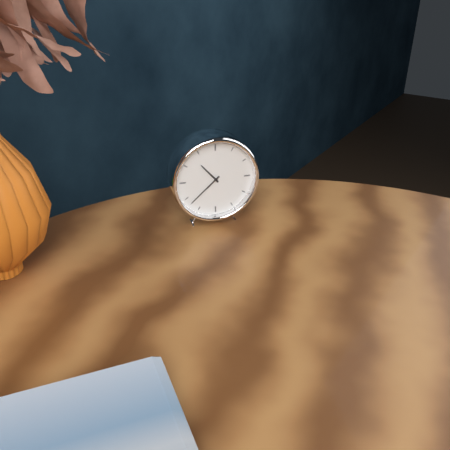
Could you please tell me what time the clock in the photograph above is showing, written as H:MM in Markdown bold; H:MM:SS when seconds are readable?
**10:38**
